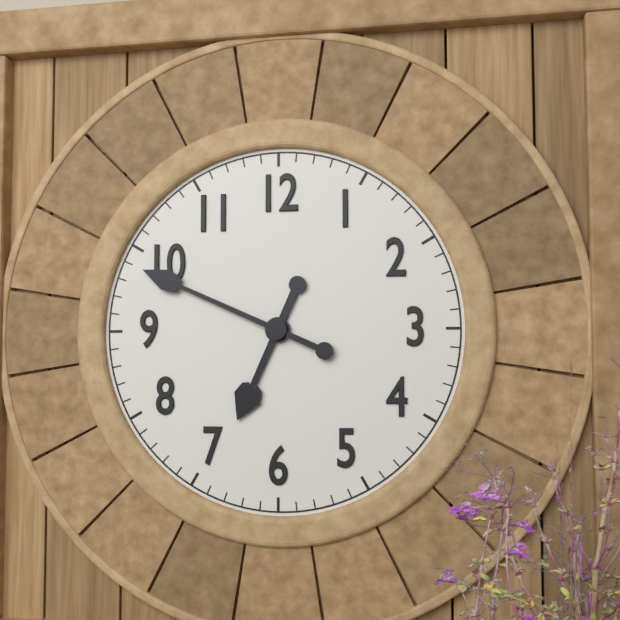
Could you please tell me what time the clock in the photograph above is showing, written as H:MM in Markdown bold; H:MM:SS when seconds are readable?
**6:49**
